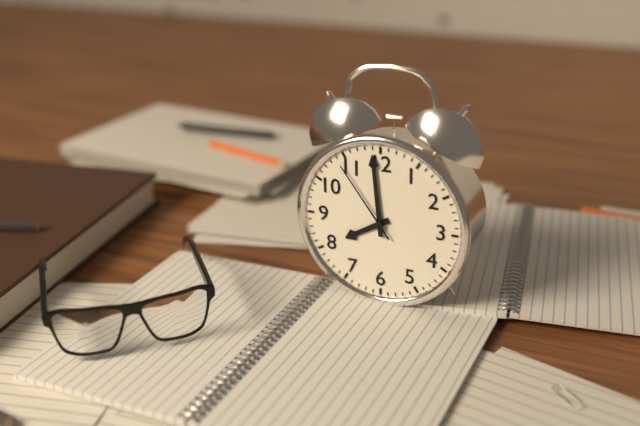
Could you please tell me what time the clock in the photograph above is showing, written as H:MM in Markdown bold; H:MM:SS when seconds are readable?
**7:59:54**
